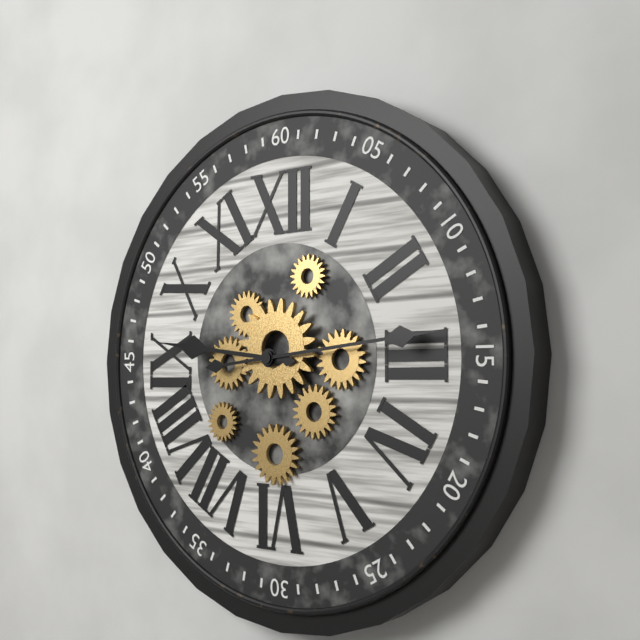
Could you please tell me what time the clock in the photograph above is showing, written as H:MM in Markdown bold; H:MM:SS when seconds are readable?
**9:14**
